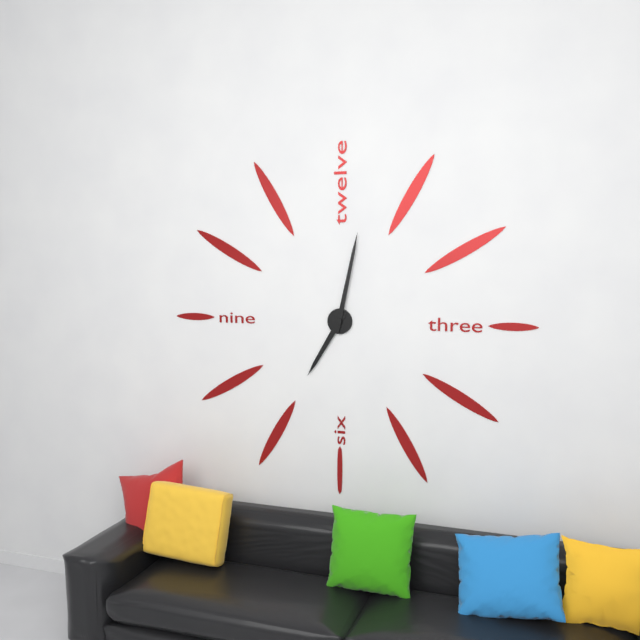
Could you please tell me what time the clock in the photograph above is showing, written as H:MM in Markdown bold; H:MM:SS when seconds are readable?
**7:02**
